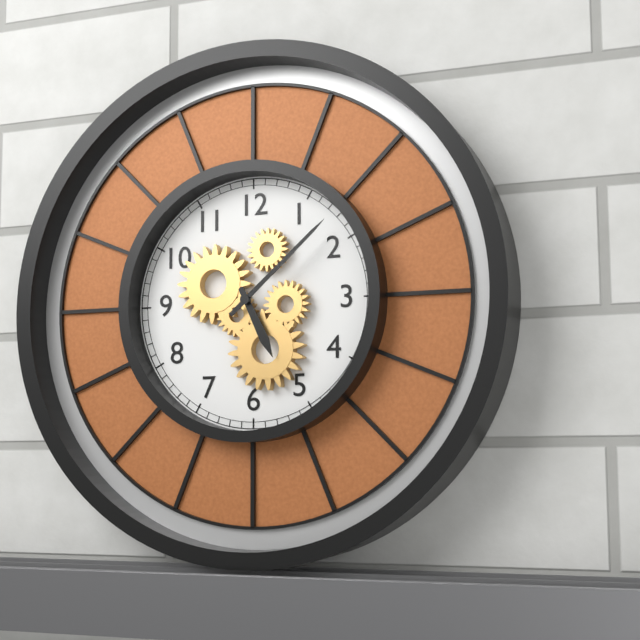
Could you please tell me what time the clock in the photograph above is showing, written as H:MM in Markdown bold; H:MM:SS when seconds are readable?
**5:08**
